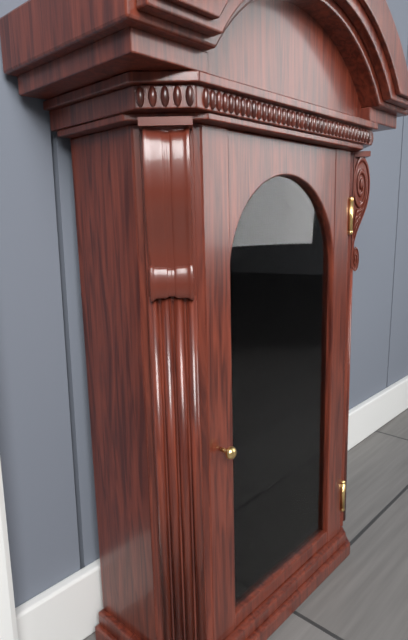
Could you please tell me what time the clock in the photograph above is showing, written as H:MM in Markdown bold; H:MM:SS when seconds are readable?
**12:31**
